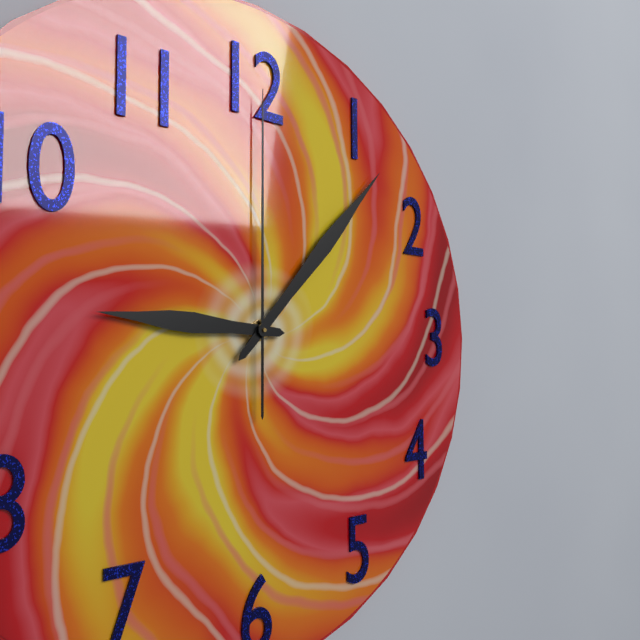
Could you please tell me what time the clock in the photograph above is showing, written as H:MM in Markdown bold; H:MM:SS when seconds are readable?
**9:07:00**
